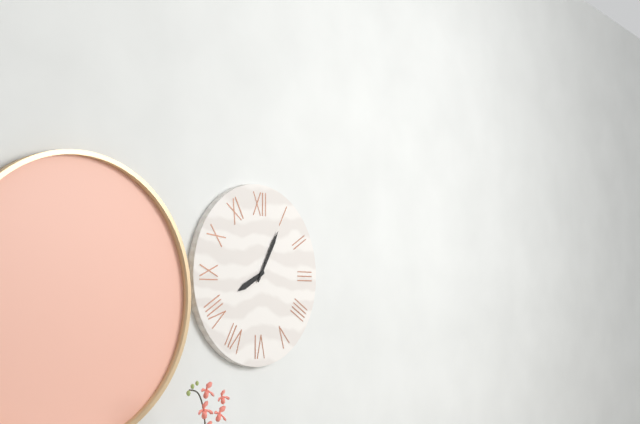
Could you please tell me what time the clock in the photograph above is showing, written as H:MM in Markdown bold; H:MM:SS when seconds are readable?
**8:05**
